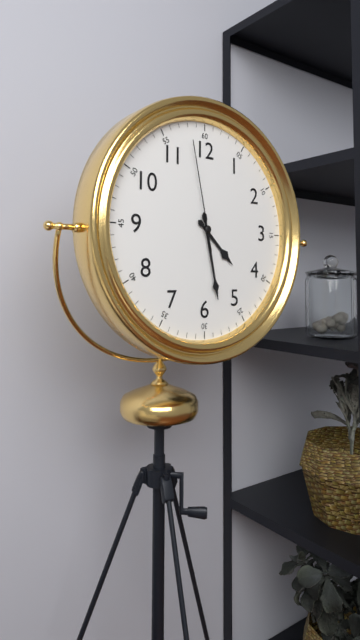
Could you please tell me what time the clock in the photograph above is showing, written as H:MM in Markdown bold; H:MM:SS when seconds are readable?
**4:28:58**
